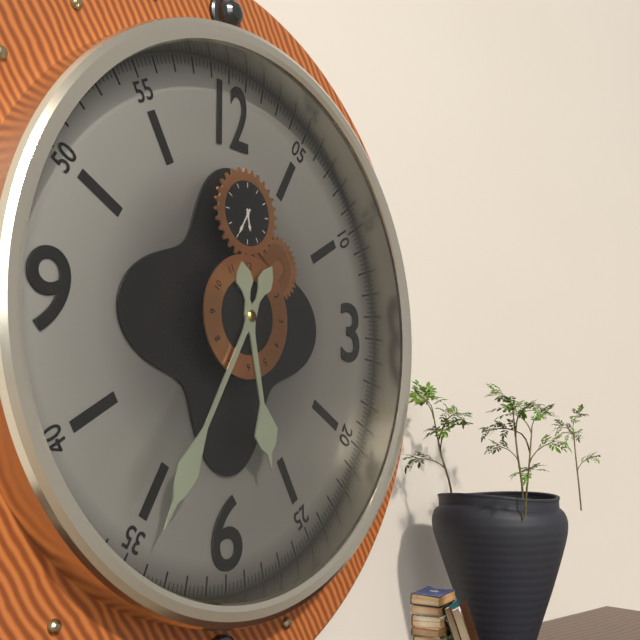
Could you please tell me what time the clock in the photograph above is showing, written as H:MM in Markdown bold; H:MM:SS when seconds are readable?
**5:35**
